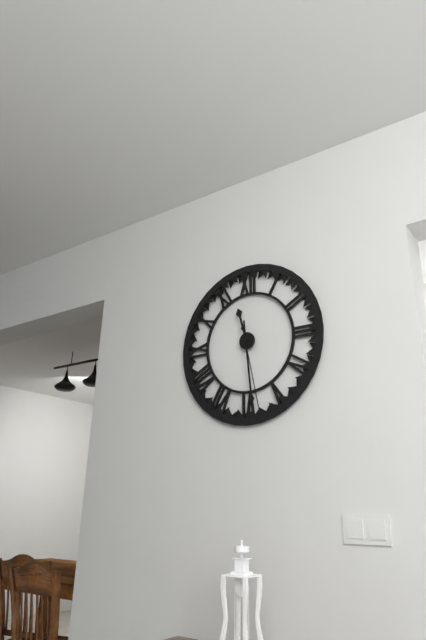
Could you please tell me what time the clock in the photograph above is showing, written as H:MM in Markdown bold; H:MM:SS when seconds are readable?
**11:29:28**
